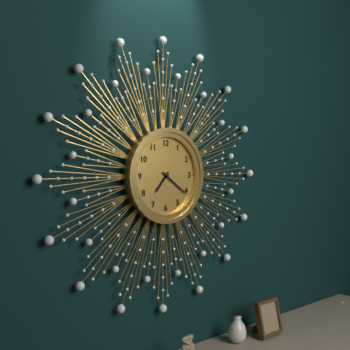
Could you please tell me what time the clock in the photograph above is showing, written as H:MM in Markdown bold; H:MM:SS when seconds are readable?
**7:21**
